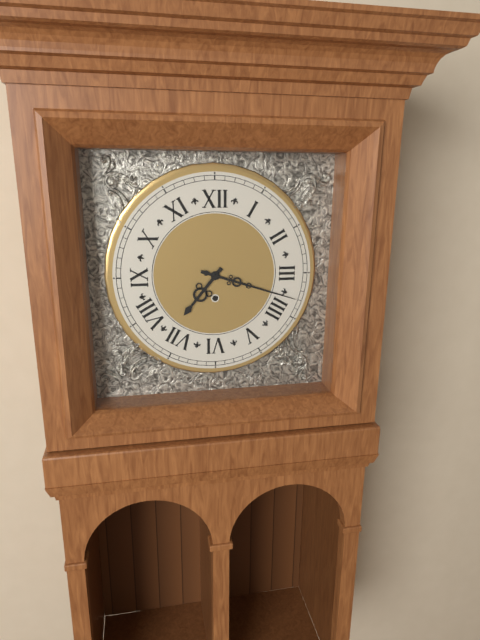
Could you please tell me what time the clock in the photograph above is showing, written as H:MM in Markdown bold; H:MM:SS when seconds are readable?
**7:18**
